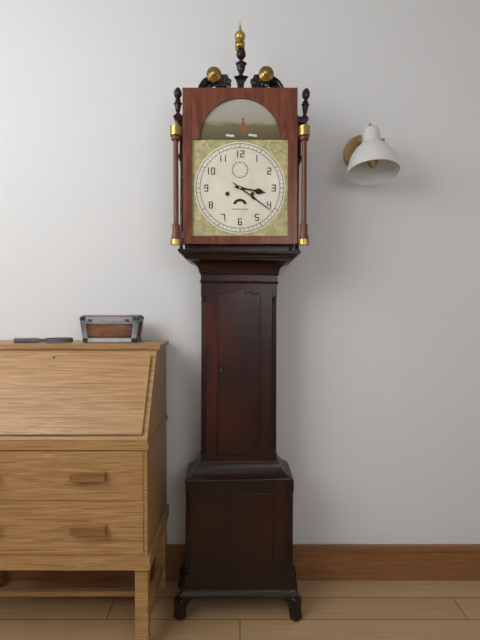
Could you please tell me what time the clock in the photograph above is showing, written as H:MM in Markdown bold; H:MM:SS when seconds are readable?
**3:21**
